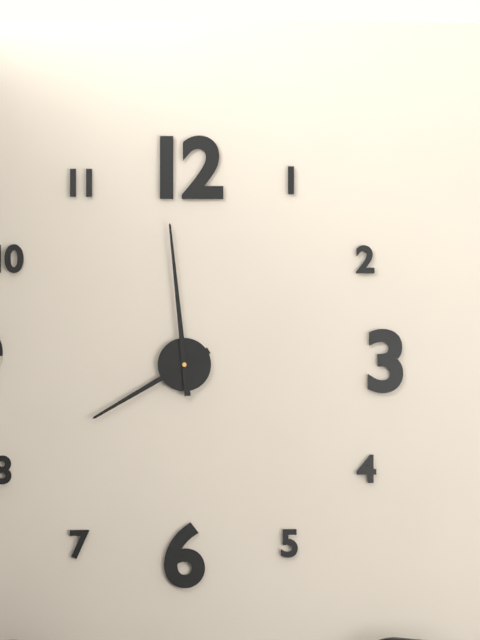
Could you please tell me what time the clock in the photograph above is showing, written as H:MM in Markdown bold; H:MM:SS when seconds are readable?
**7:59**
